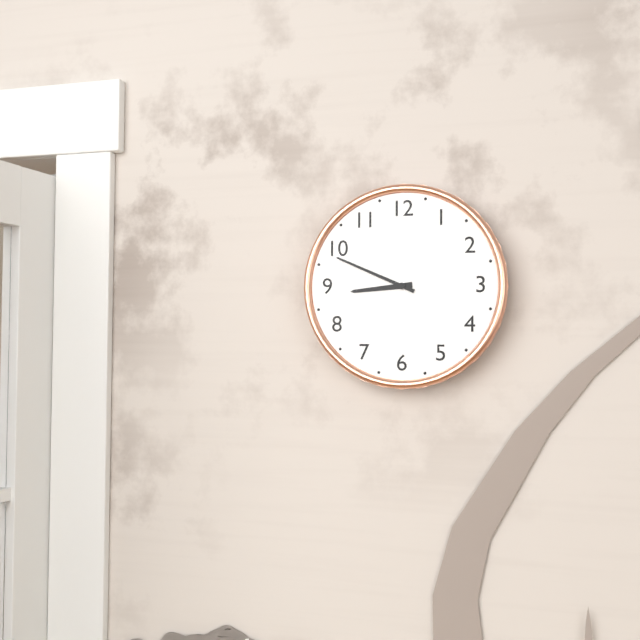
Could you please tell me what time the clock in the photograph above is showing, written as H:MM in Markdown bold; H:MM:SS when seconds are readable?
**8:49**
